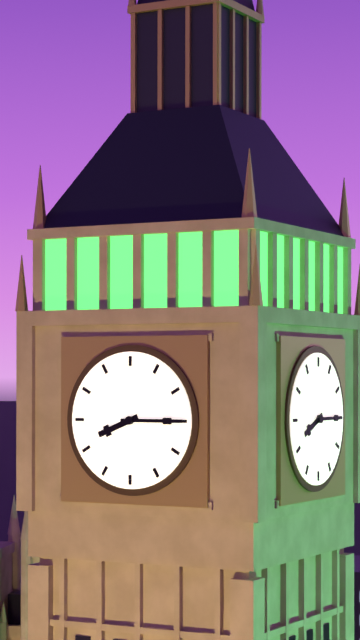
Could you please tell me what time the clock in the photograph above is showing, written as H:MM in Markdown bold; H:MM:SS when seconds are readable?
**8:15**
